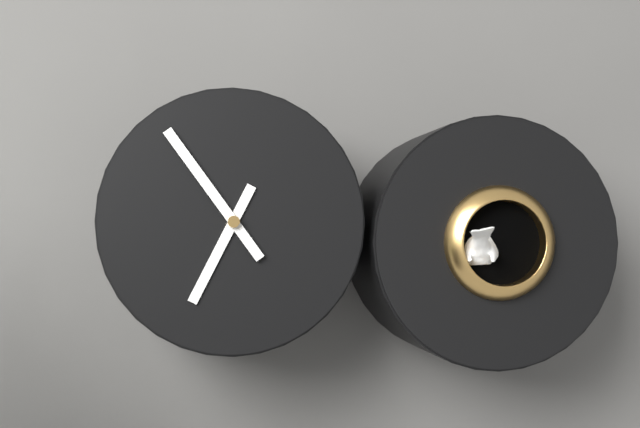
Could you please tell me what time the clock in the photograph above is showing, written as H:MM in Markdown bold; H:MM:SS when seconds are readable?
**6:54**
